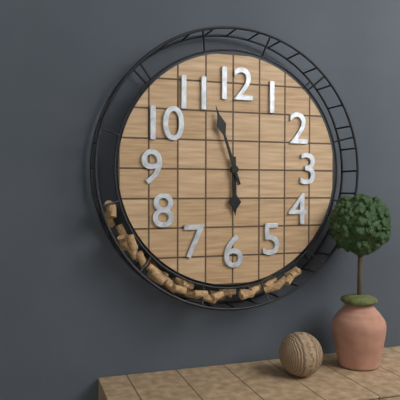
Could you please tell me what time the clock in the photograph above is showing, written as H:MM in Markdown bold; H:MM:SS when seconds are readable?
**5:57**
